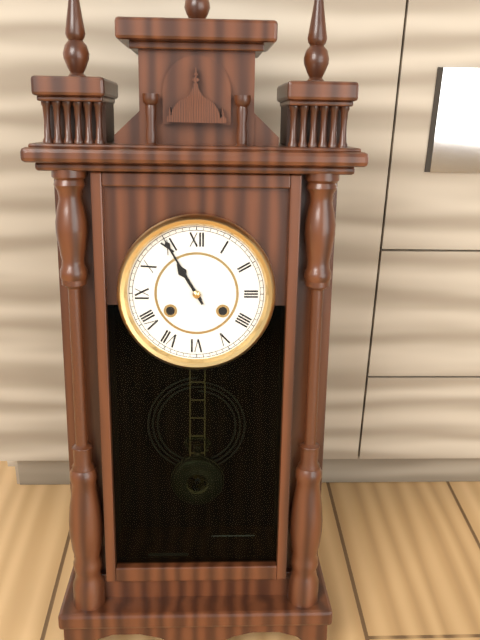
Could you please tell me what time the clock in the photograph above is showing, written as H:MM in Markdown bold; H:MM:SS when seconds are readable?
**10:55**
